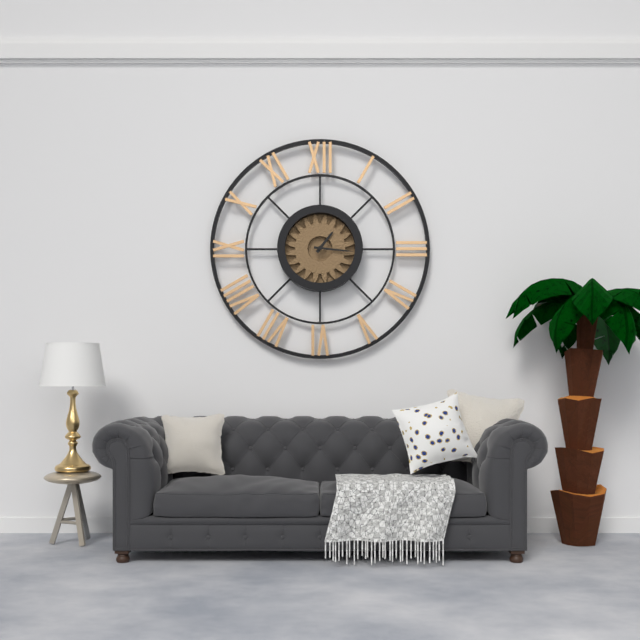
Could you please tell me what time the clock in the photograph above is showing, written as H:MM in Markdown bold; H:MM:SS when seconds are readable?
**1:16**
